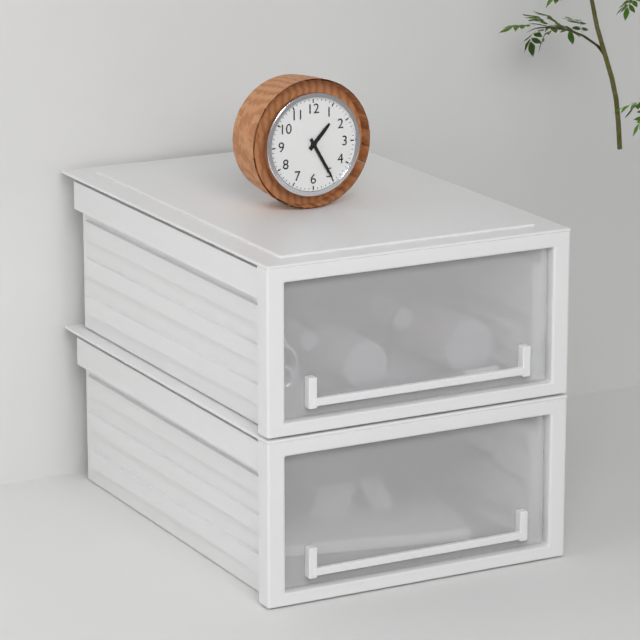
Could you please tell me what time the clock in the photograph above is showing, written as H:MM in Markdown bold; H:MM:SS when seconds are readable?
**1:25**
